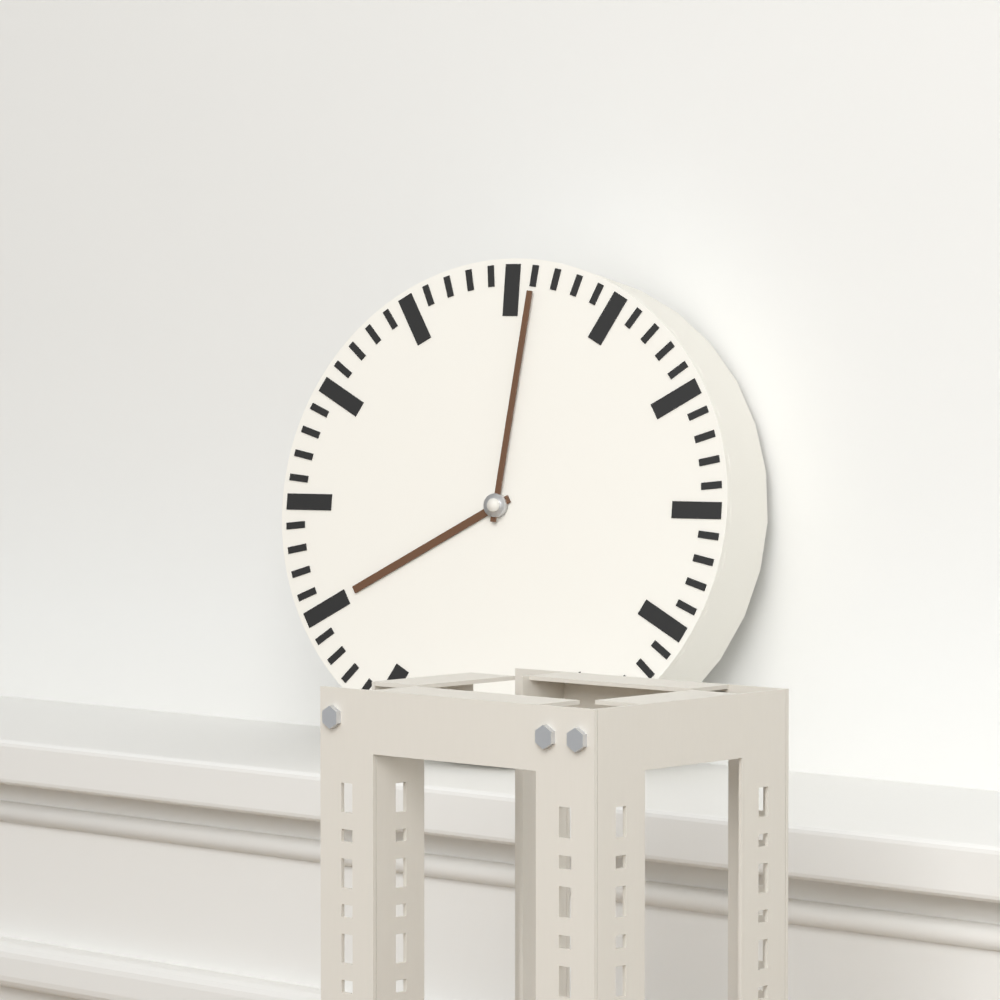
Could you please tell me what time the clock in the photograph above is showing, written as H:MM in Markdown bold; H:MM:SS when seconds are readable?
**8:01**
